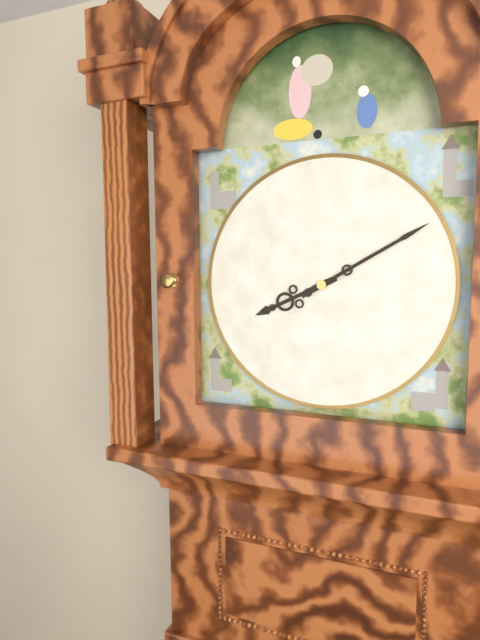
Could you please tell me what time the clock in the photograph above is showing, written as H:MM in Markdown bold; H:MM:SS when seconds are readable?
**8:10**
